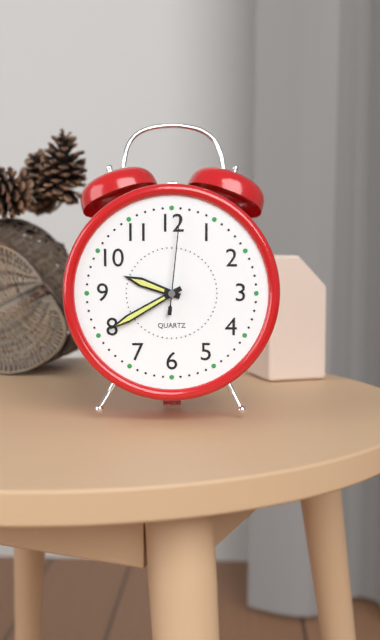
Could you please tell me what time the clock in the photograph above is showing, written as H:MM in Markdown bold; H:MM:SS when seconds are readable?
**9:40:01**
